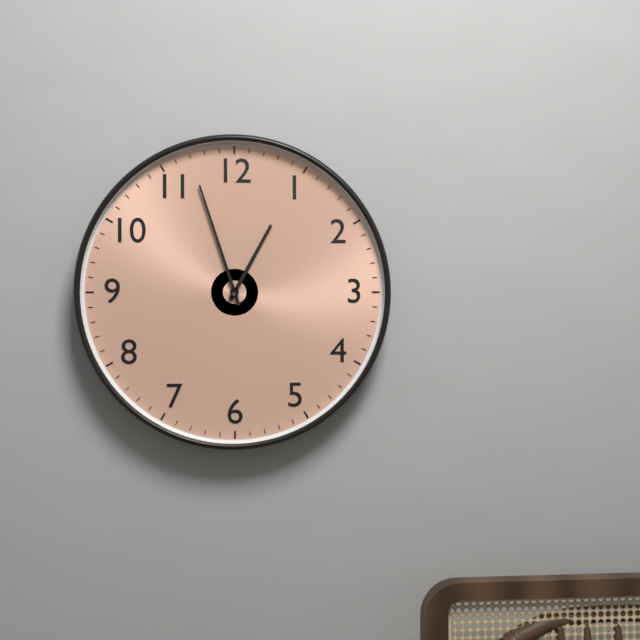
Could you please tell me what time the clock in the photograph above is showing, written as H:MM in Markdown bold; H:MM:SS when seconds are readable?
**12:57**
